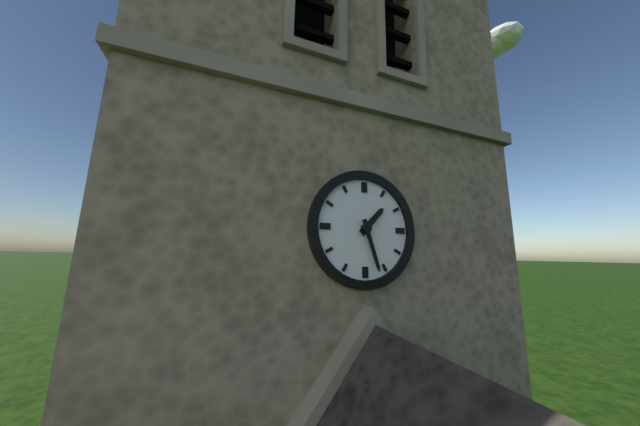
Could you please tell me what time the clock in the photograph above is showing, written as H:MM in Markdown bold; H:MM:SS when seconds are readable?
**1:27**
